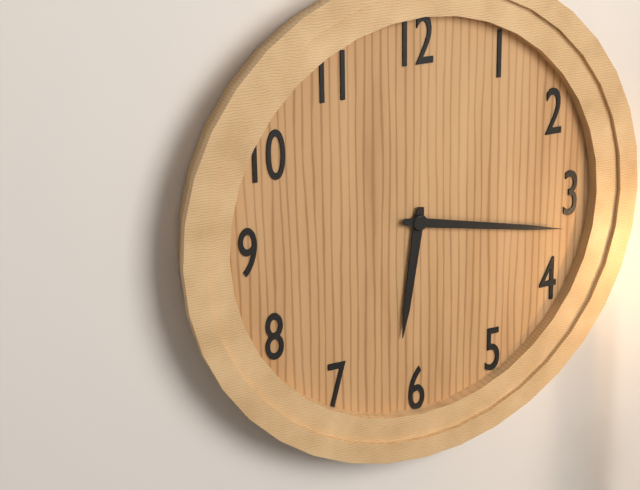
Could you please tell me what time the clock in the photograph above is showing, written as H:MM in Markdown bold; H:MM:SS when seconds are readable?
**6:17**
